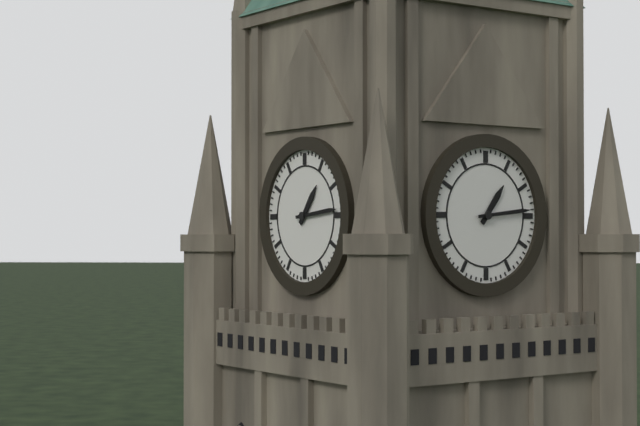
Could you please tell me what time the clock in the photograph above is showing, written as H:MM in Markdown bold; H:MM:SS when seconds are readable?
**1:14**
